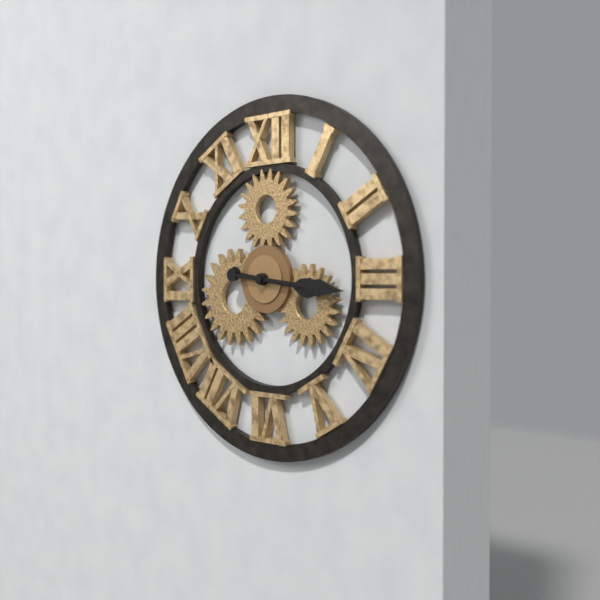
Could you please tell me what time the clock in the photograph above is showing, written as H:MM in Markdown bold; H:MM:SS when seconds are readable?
**3:16**
